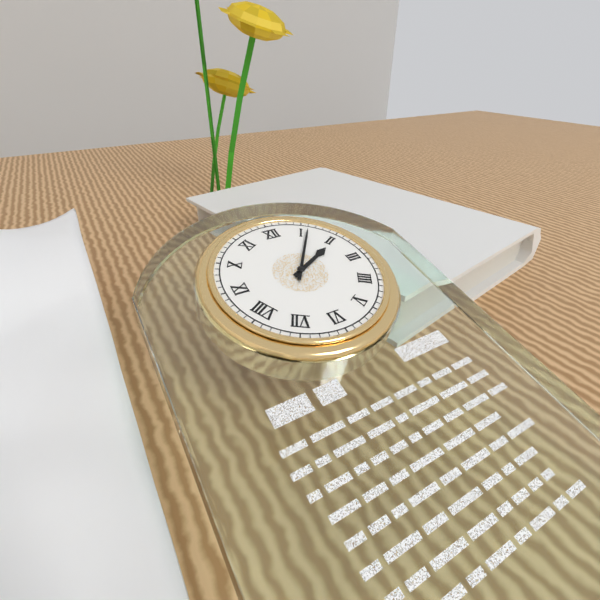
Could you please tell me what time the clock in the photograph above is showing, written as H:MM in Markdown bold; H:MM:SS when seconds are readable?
**2:06**
